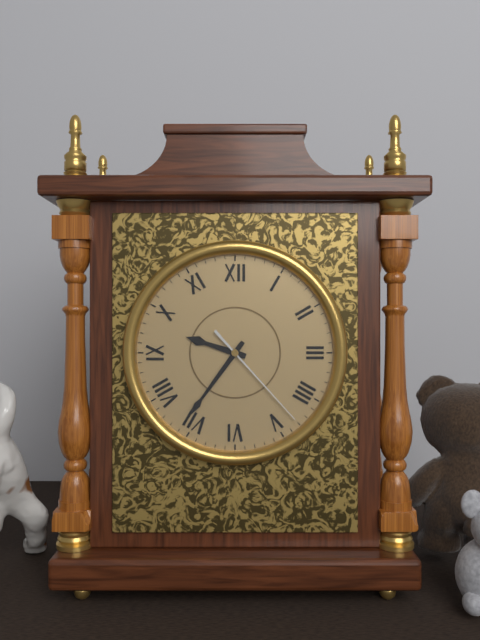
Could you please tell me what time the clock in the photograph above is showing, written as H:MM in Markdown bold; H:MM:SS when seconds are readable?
**9:36:23**
